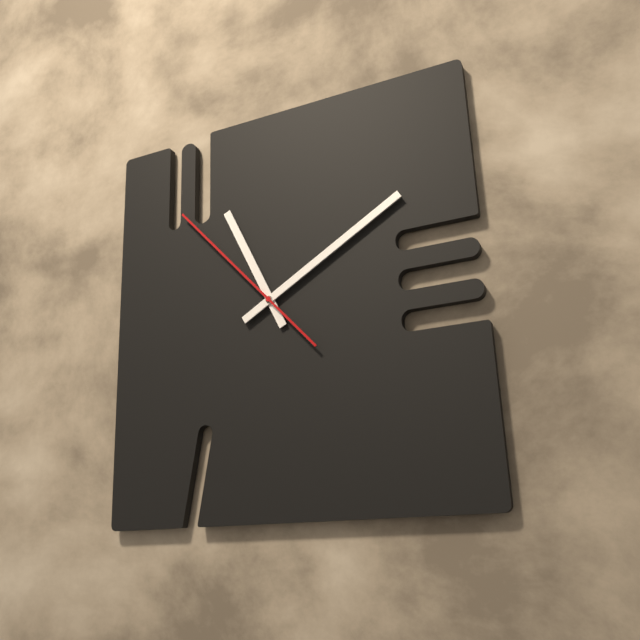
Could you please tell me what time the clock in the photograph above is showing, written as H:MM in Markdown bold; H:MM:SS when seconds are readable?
**11:10:53**
